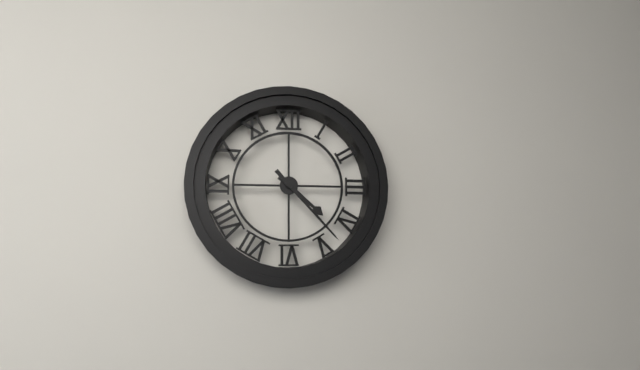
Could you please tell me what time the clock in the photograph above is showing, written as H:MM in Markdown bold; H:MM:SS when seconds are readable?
**4:23**
